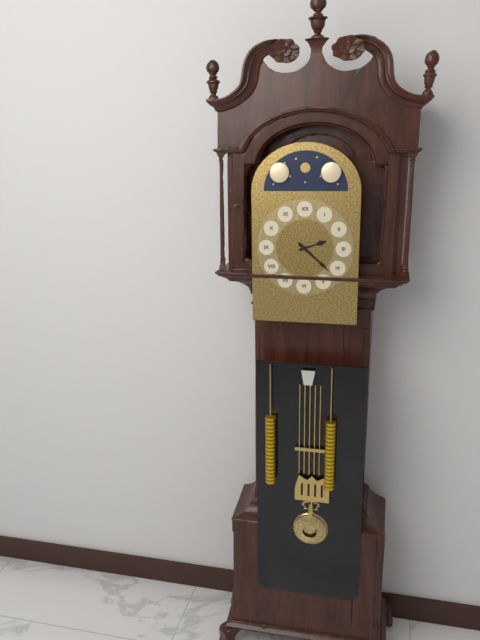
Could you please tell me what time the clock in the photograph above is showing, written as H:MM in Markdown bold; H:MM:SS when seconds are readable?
**2:22**
